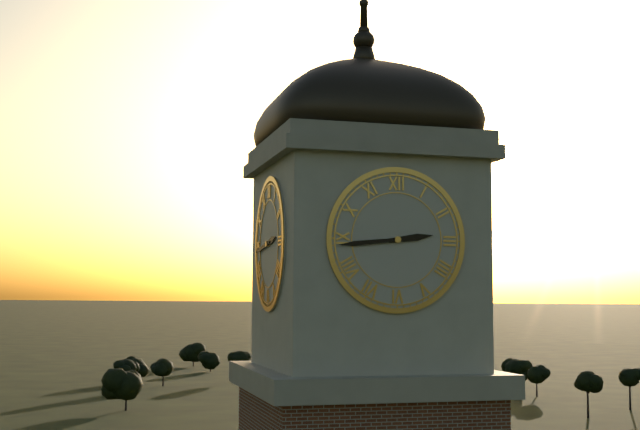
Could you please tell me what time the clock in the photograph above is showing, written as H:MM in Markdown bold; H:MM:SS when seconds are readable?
**2:44**
